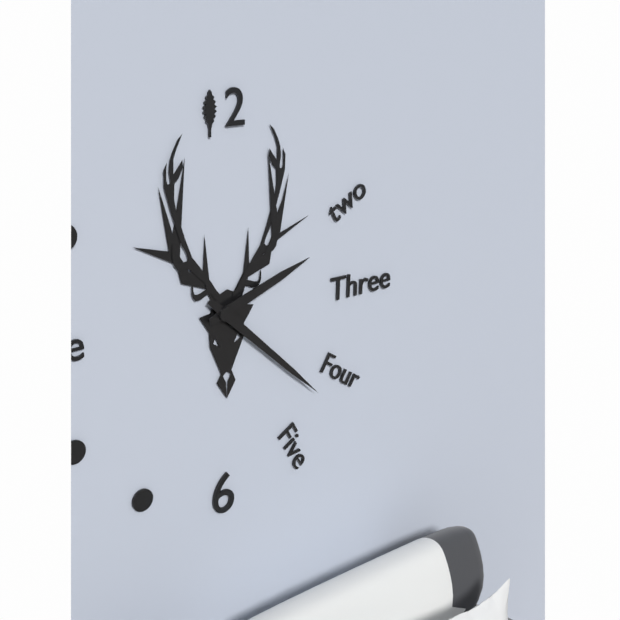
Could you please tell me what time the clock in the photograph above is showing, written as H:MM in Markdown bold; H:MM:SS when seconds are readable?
**2:22**
